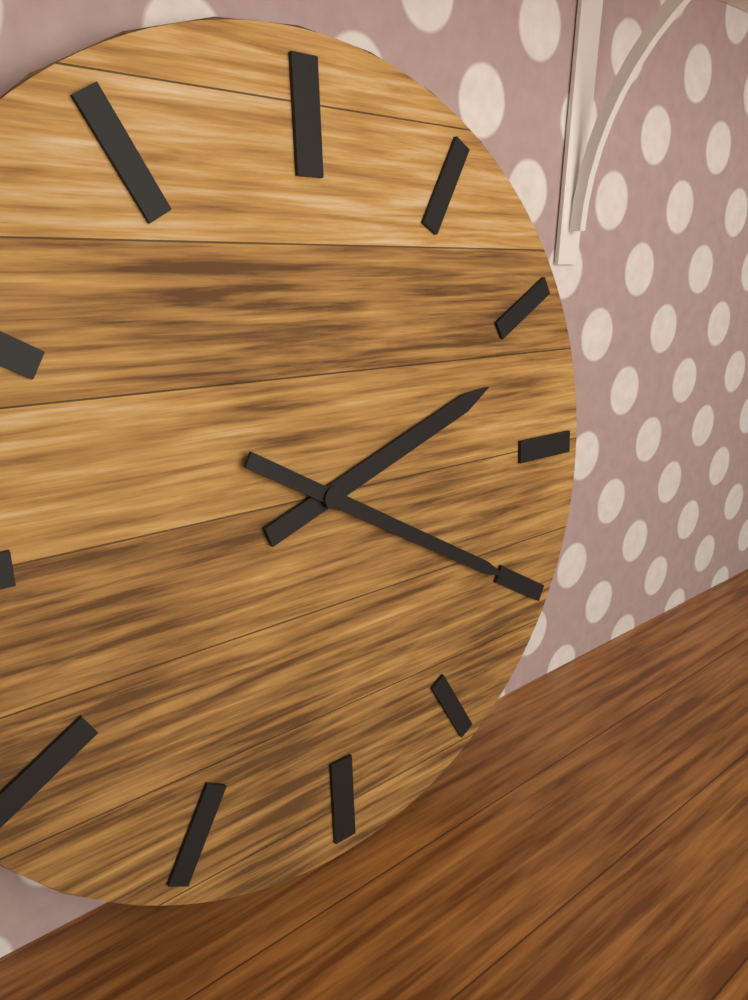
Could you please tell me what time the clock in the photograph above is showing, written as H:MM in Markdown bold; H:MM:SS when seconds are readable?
**2:20**
